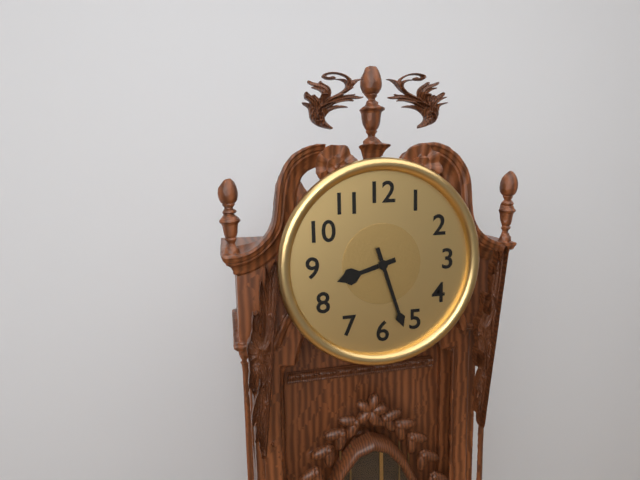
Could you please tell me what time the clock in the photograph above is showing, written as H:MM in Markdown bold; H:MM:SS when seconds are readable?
**8:27**
